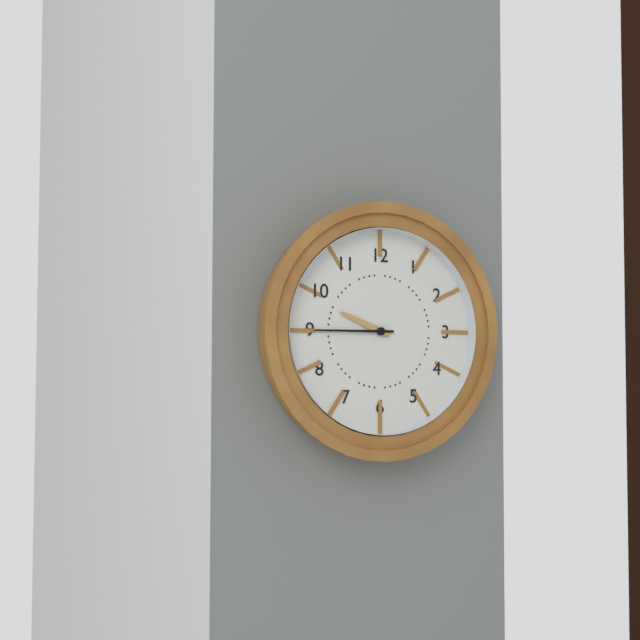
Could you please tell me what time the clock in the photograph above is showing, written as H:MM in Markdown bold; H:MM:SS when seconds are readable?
**9:45**
